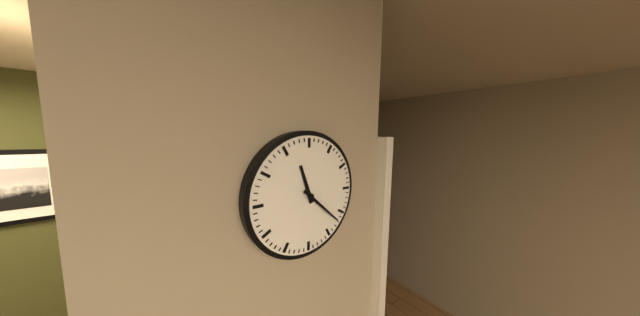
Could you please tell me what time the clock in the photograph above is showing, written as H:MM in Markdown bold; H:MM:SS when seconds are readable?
**11:22**
